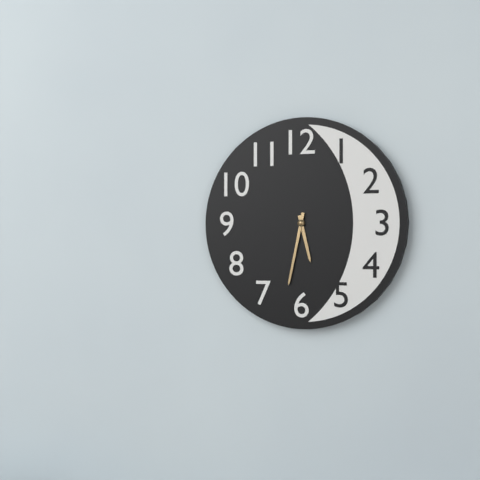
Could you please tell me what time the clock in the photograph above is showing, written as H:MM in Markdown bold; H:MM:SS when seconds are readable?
**5:32**
